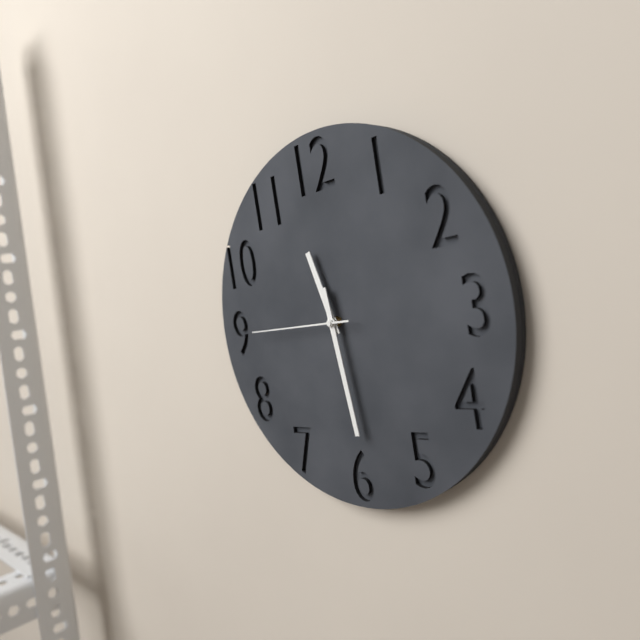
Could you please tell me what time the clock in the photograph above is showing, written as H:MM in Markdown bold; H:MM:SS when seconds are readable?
**11:29:45**
